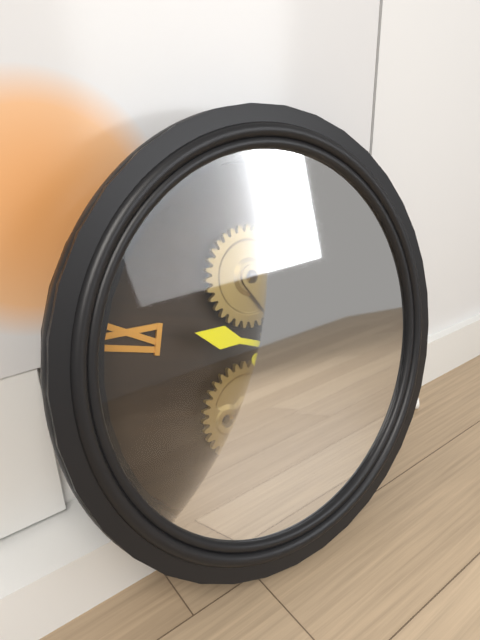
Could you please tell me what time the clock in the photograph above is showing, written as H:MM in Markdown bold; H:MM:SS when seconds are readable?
**9:11**
